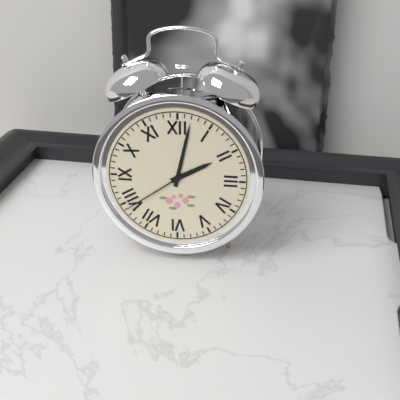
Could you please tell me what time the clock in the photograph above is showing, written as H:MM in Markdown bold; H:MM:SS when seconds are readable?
**2:02:39**
